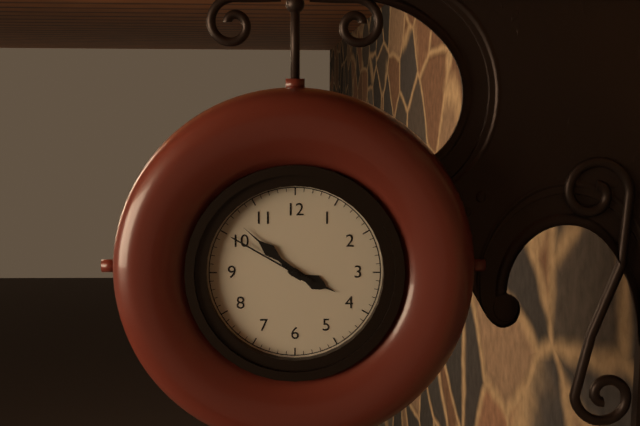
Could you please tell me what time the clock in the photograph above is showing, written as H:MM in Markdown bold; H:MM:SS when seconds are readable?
**3:52:50**
